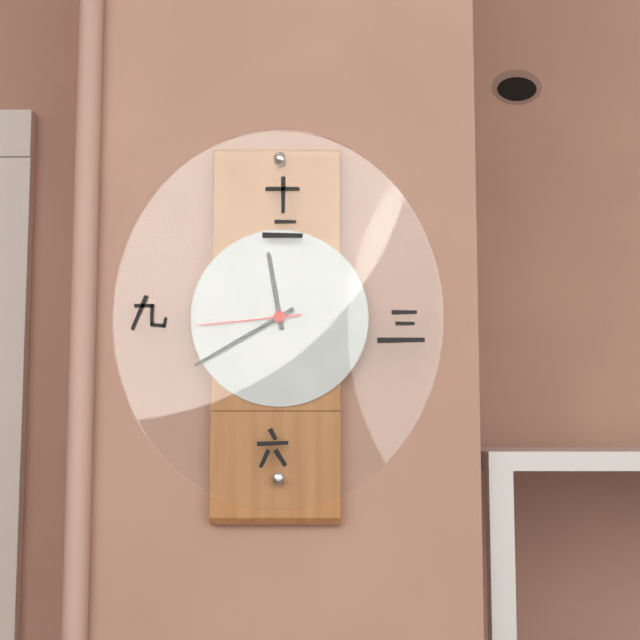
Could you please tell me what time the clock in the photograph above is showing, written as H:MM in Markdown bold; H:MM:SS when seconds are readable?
**11:40:44**
